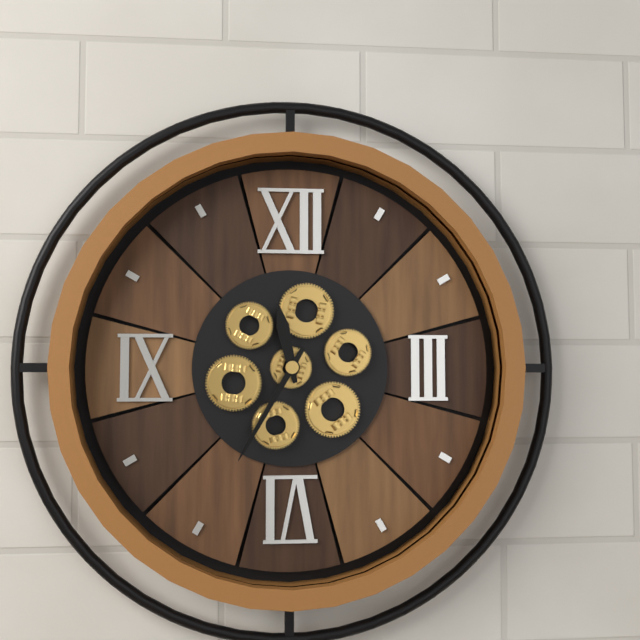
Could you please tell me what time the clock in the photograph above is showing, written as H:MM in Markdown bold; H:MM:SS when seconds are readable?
**11:35**
